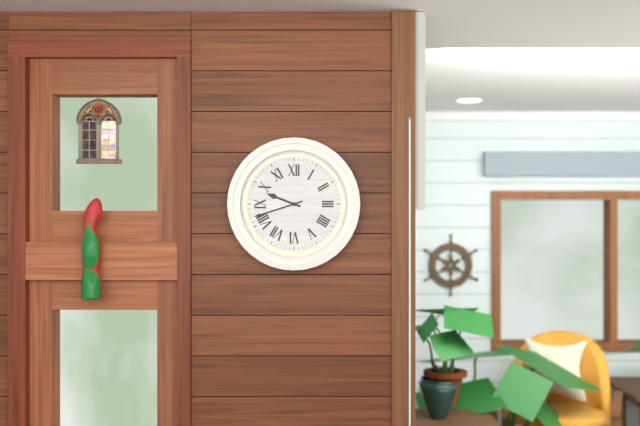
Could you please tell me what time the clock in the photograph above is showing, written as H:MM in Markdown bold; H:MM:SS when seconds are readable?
**9:42**
